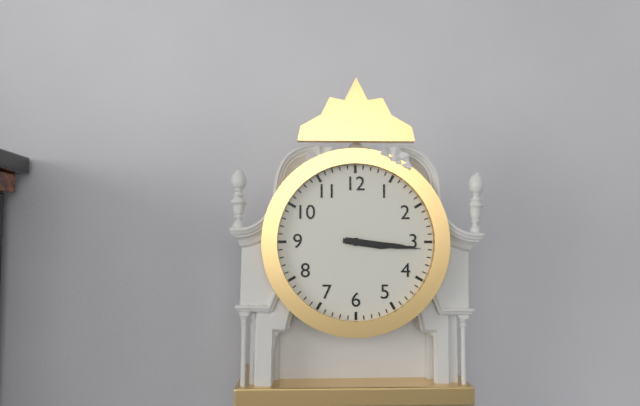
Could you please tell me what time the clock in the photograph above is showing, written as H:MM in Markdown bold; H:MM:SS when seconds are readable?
**3:16**
